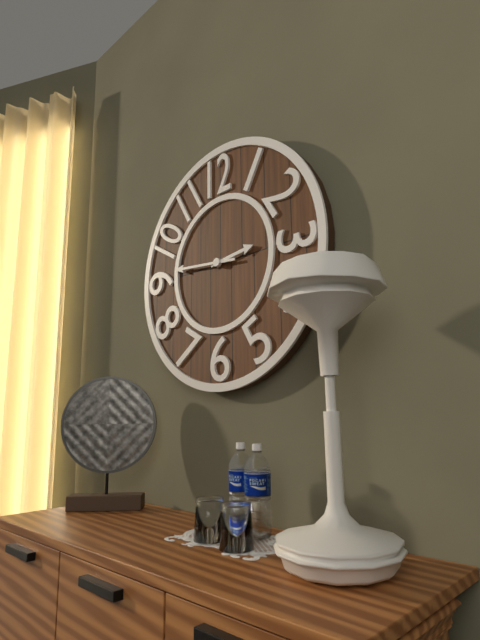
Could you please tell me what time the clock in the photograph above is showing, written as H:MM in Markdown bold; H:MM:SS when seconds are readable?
**2:46**
